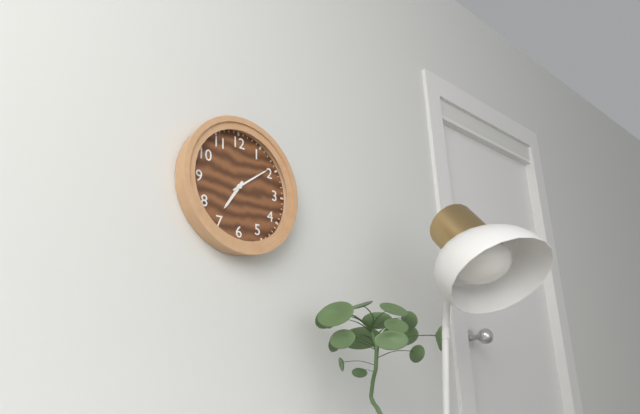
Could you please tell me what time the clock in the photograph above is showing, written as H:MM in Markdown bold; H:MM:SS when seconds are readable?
**7:09**
